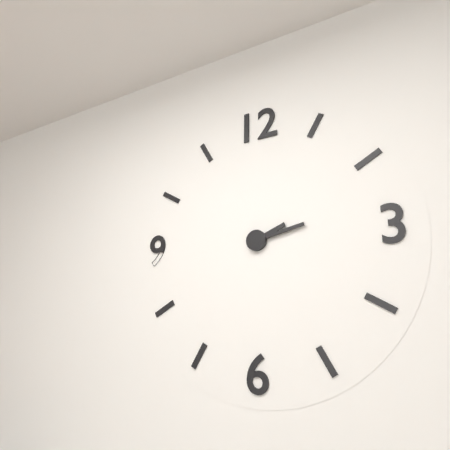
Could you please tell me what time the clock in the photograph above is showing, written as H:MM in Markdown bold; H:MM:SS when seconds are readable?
**2:13**
